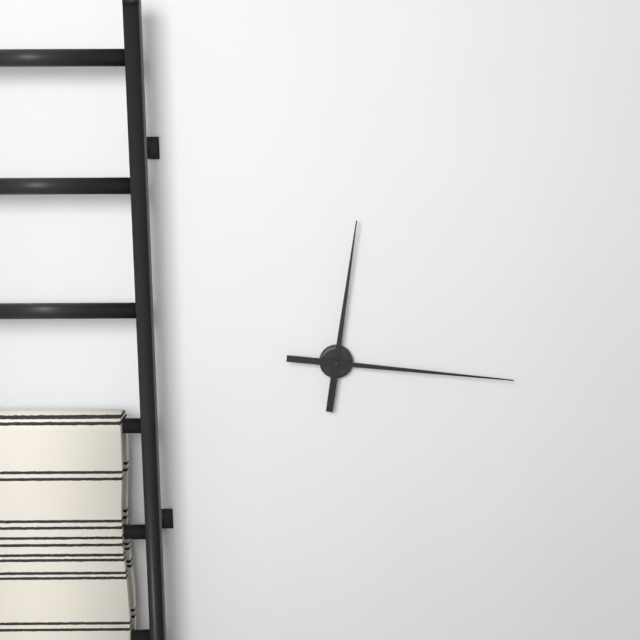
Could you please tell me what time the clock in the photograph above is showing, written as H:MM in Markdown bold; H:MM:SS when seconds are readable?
**12:16**
